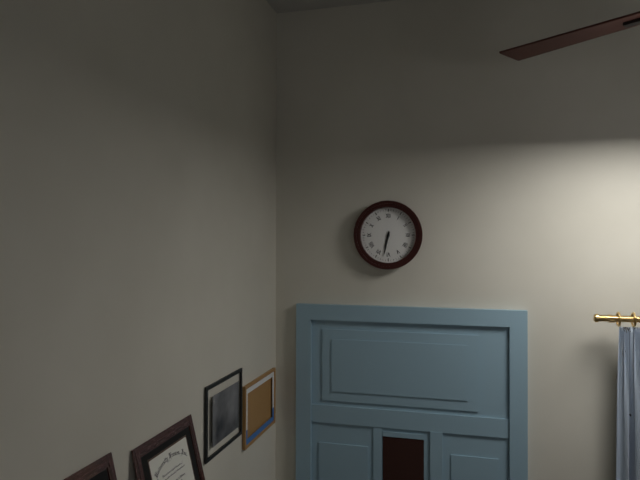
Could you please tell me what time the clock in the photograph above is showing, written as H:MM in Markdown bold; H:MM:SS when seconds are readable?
**6:32**
